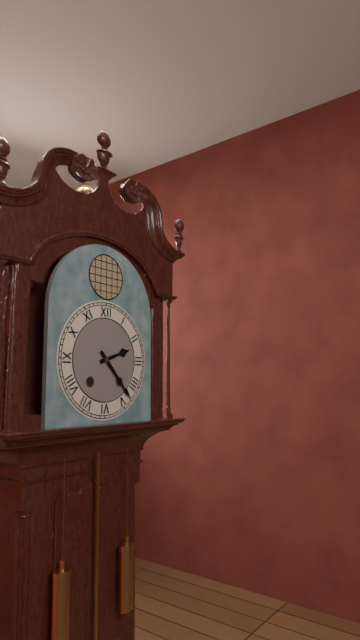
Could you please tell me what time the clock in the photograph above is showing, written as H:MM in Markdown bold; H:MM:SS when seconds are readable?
**2:23**
